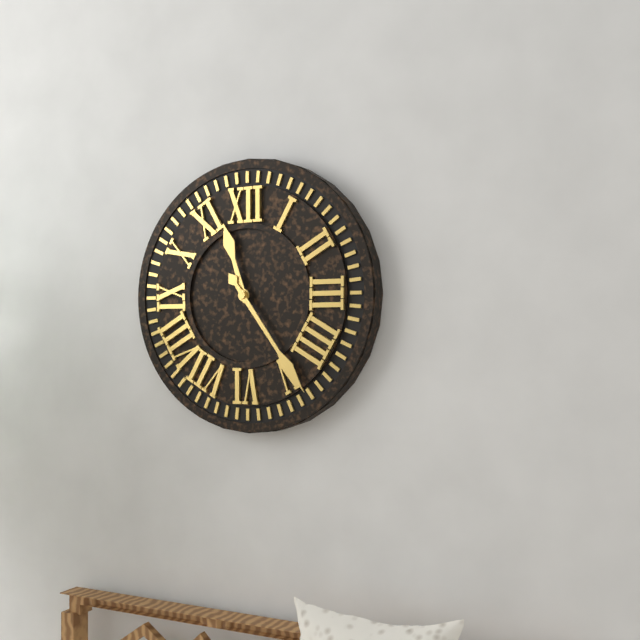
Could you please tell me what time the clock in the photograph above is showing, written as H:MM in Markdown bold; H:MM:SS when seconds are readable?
**11:24**
